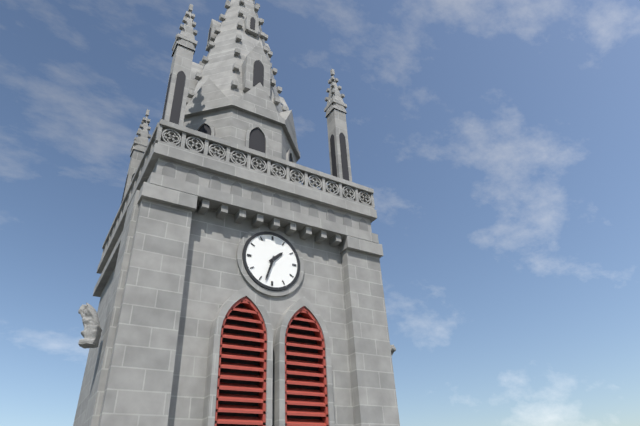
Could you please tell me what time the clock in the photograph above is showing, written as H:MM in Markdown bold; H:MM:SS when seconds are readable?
**1:33**
